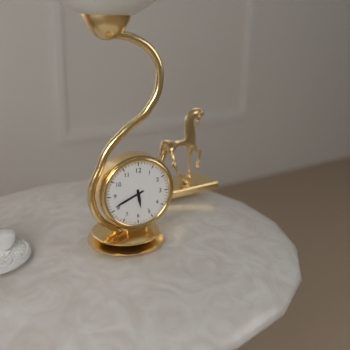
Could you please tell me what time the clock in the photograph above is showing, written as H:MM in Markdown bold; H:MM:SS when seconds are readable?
**5:41**
